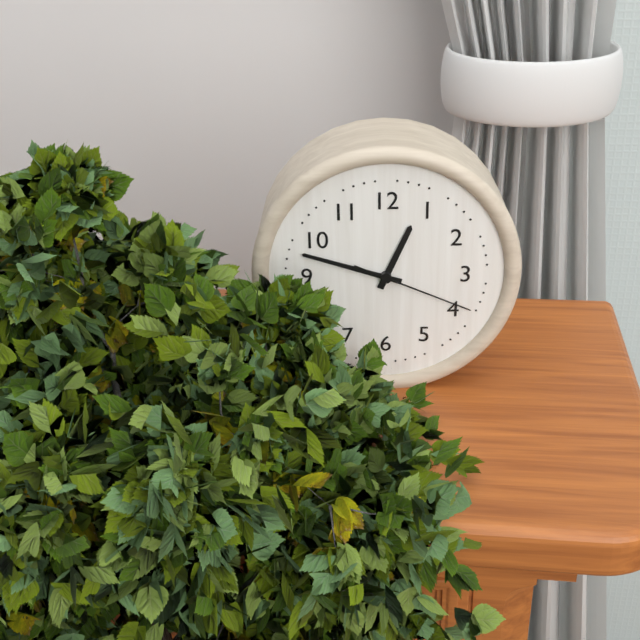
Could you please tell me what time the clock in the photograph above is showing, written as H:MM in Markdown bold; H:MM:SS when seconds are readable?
**12:48:19**
